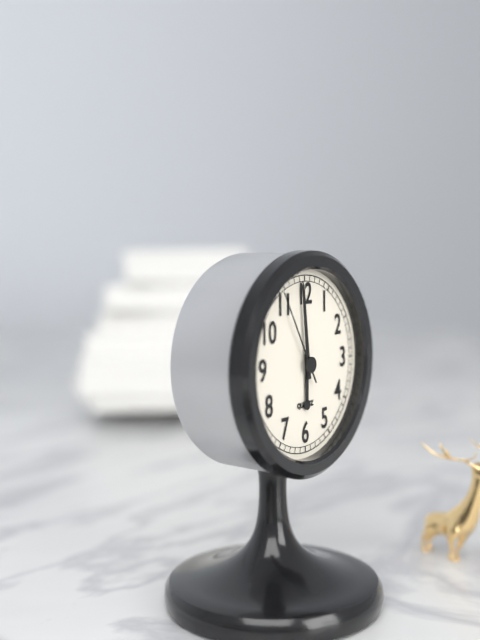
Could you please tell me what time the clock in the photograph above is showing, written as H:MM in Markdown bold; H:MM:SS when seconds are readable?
**5:59:55**
